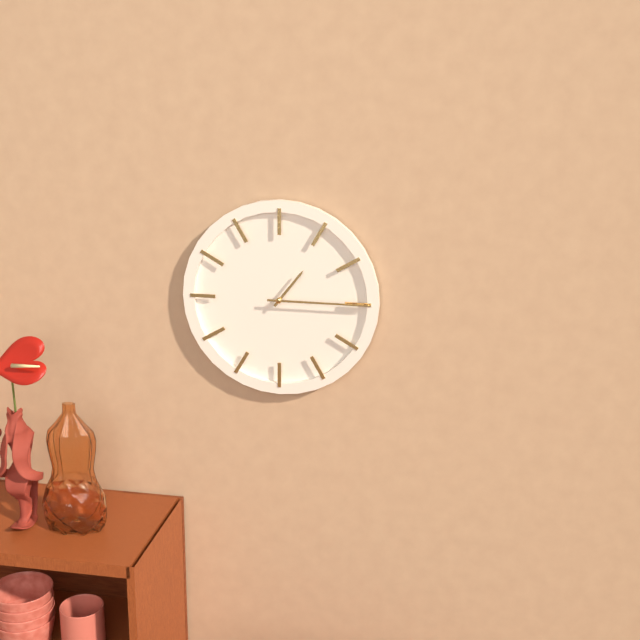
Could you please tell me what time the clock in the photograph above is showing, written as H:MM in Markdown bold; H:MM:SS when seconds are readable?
**1:15**
